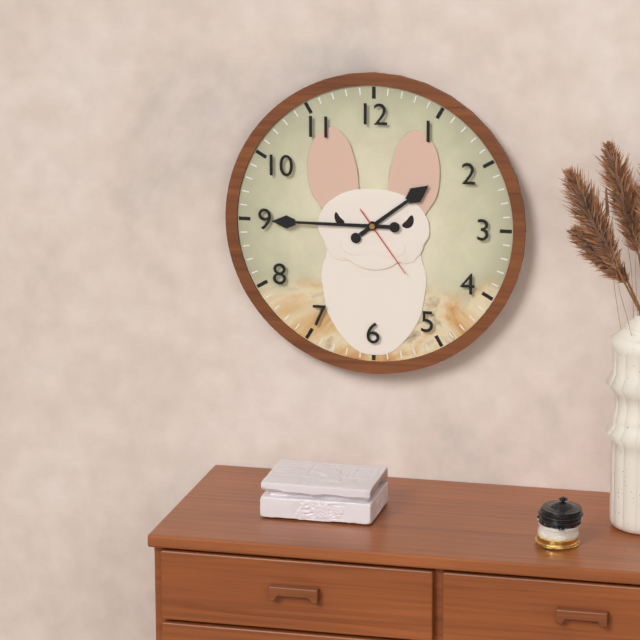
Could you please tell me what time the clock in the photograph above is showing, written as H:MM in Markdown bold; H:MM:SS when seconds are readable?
**1:45:24**
